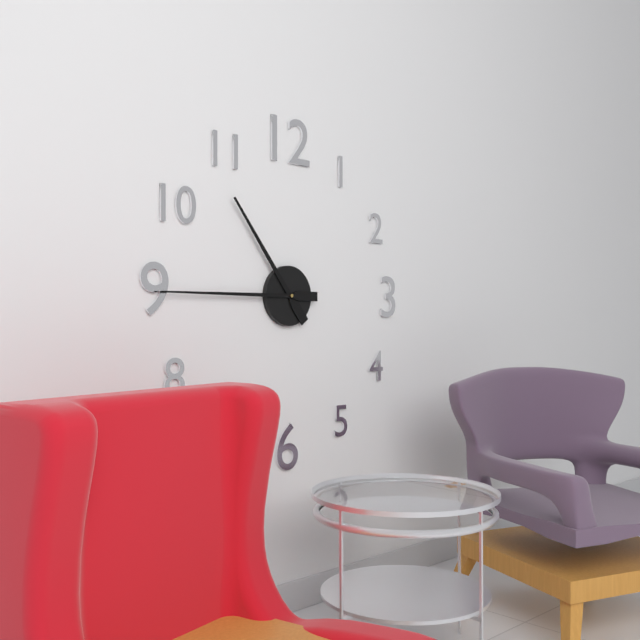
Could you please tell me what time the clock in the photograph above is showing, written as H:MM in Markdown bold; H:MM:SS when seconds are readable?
**10:45**
